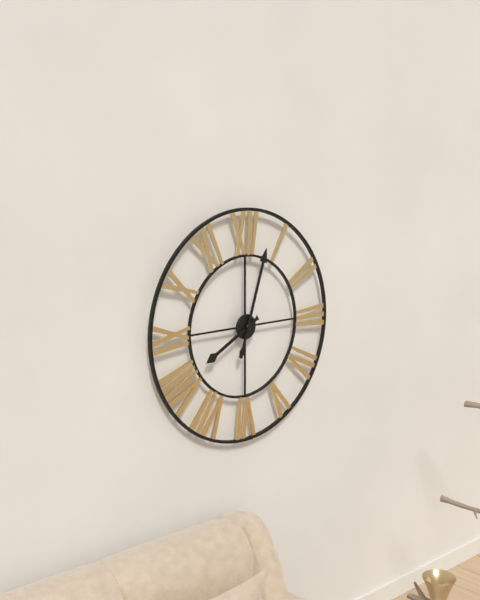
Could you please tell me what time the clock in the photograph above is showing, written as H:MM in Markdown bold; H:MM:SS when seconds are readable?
**8:03**
